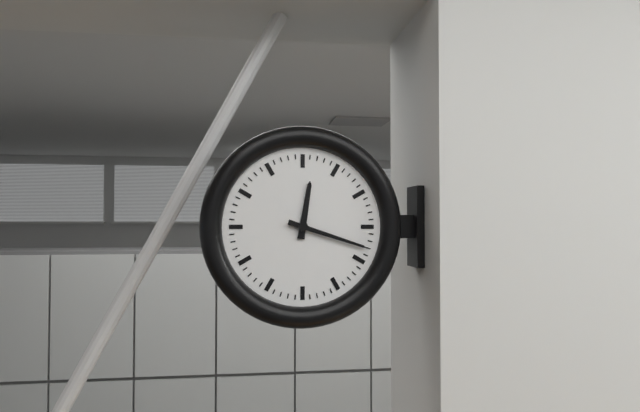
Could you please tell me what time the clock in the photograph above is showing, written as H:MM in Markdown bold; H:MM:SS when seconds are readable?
**12:18**
